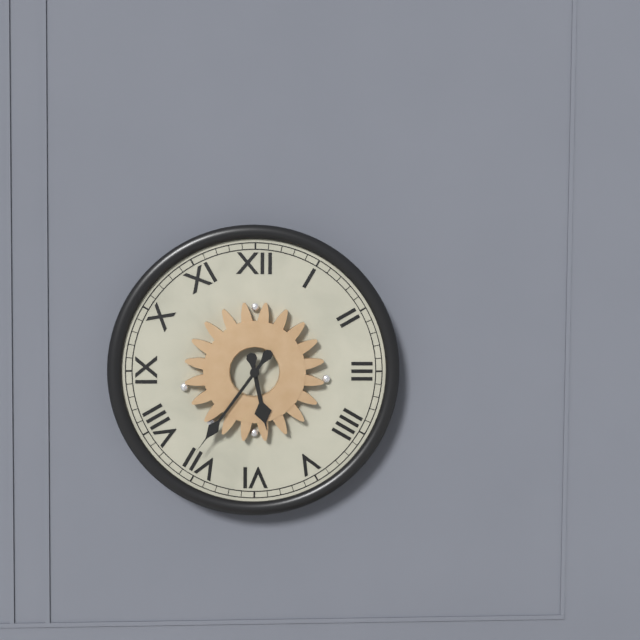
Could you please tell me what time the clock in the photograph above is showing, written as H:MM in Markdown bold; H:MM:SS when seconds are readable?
**5:36**
